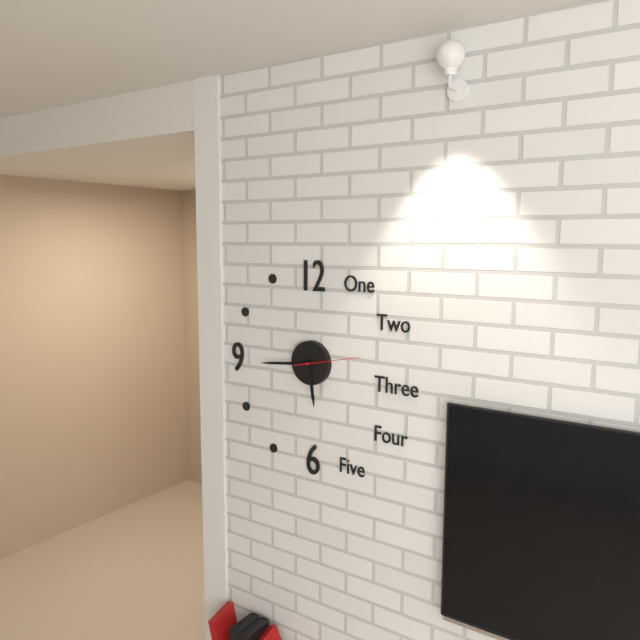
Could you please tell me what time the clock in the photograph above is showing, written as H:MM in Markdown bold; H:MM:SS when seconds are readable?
**5:44:13**
